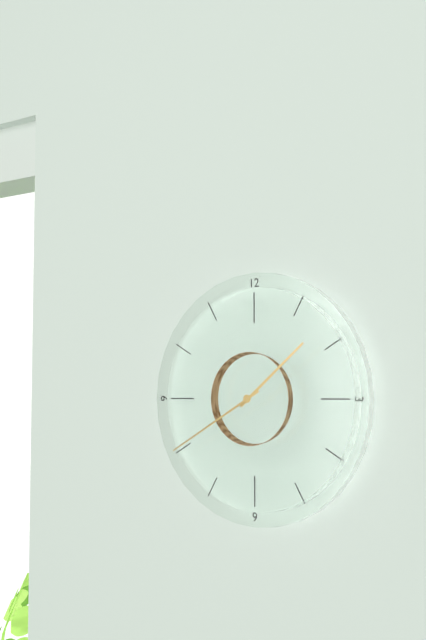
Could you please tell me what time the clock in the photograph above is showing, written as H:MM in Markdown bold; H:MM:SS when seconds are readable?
**1:40**
